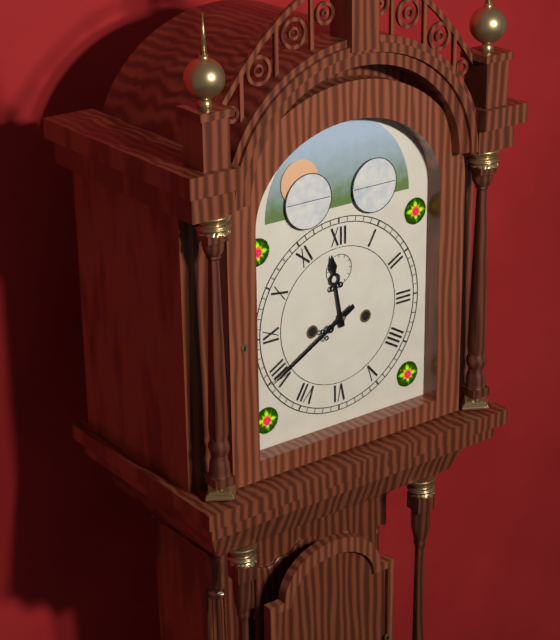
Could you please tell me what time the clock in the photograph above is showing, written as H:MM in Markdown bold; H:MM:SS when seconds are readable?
**11:40**
